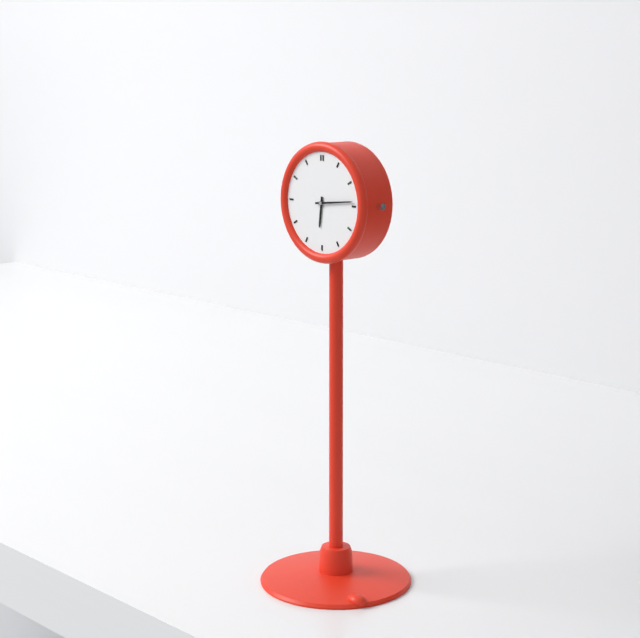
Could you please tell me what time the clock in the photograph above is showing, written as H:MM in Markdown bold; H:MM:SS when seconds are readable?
**6:14**
